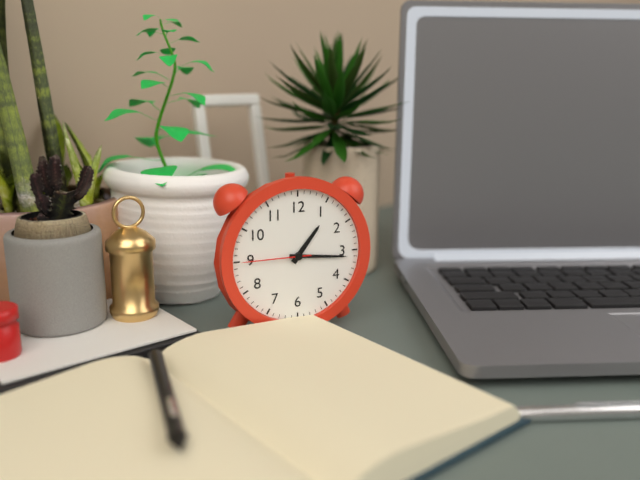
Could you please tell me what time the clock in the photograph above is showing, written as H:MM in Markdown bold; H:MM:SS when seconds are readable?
**1:16:45**
